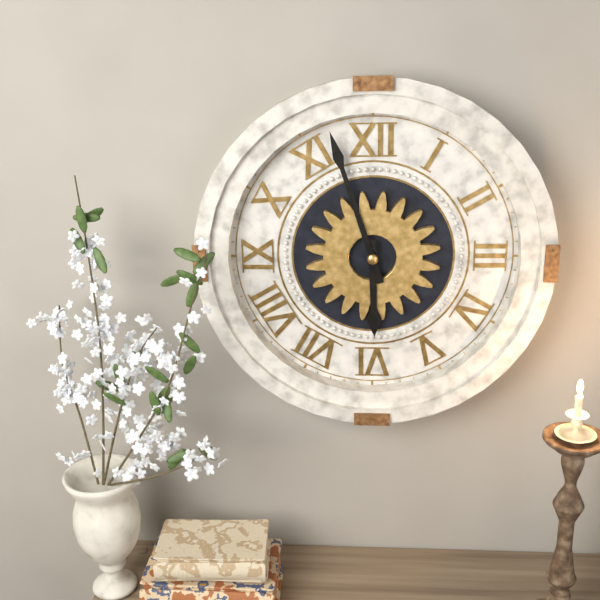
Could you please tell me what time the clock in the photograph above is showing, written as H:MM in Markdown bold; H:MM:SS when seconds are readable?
**5:57**
